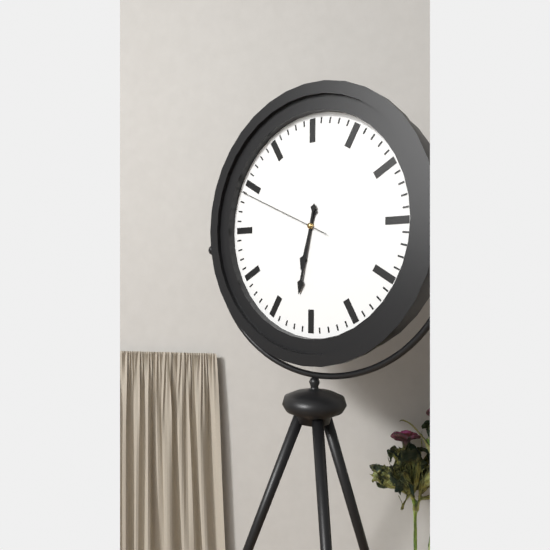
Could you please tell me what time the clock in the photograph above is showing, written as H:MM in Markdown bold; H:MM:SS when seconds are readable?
**6:32:49**
